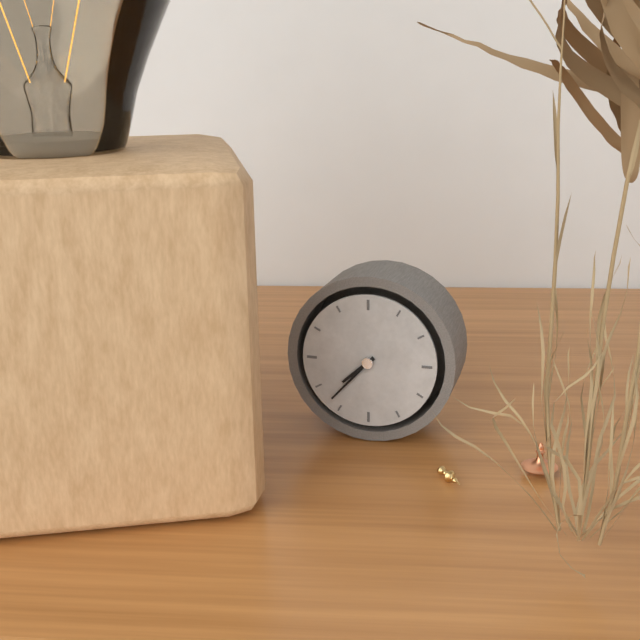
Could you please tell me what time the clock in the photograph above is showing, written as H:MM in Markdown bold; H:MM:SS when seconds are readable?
**7:37**
